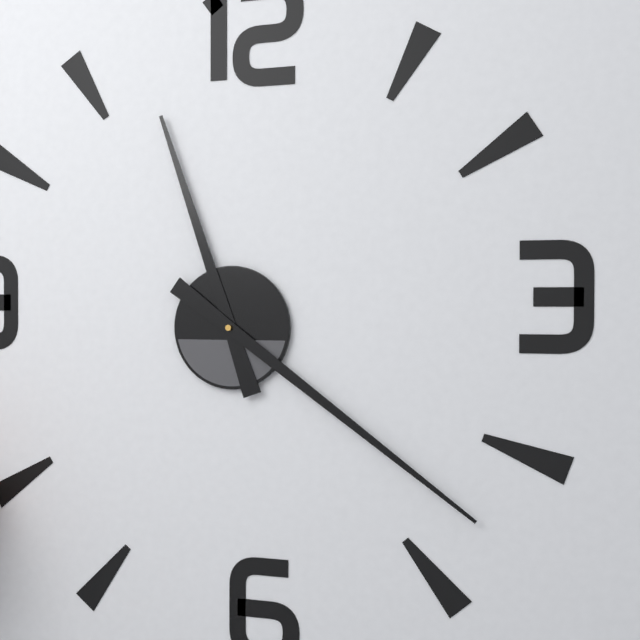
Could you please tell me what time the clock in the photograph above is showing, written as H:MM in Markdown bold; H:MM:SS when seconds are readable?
**11:21**
